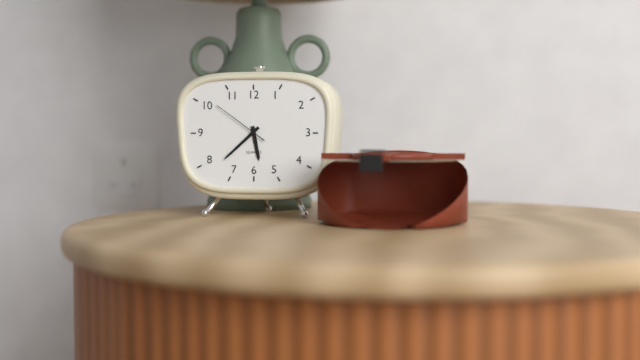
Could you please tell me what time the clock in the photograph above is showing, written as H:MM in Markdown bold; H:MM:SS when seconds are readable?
**5:38:51**
